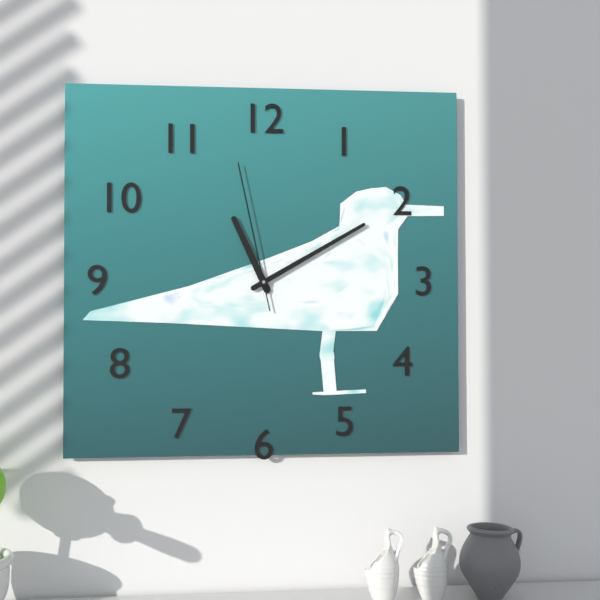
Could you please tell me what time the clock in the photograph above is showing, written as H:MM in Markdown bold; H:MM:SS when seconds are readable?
**11:10:58**
